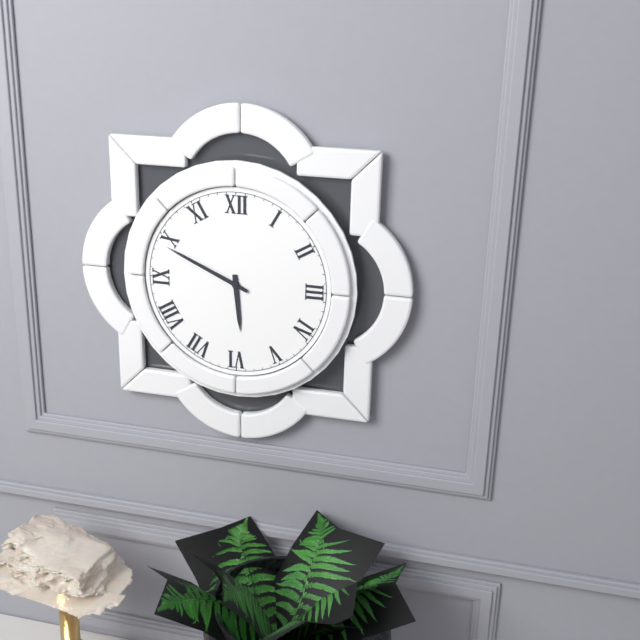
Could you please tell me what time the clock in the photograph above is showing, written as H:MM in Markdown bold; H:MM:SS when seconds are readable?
**5:49**
